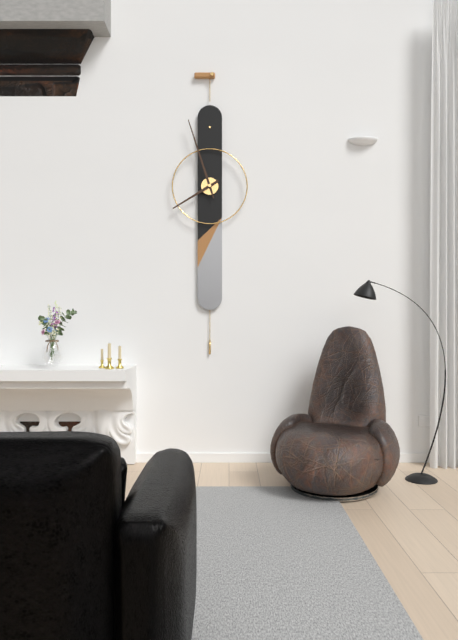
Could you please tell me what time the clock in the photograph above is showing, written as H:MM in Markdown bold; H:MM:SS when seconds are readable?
**7:57**
